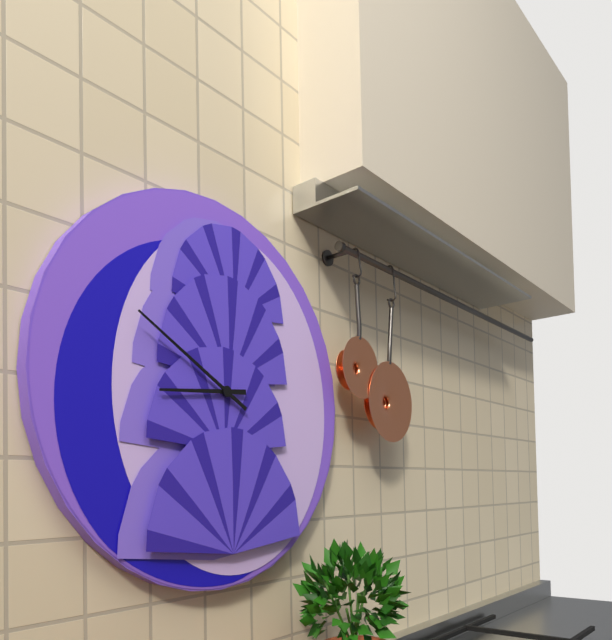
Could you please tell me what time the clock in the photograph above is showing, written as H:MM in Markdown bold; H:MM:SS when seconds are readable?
**8:50**
